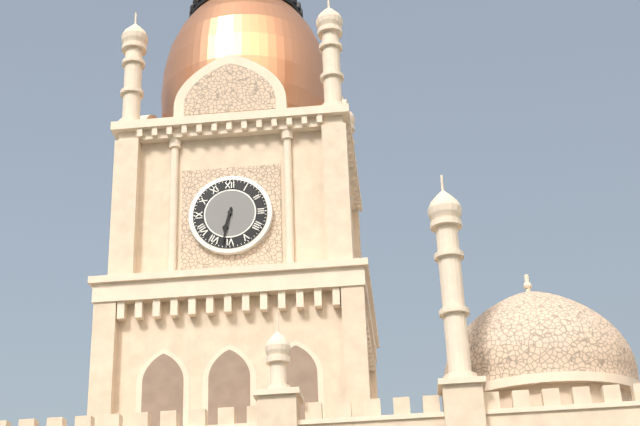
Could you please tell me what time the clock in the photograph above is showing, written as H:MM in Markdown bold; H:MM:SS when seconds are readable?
**6:32**
